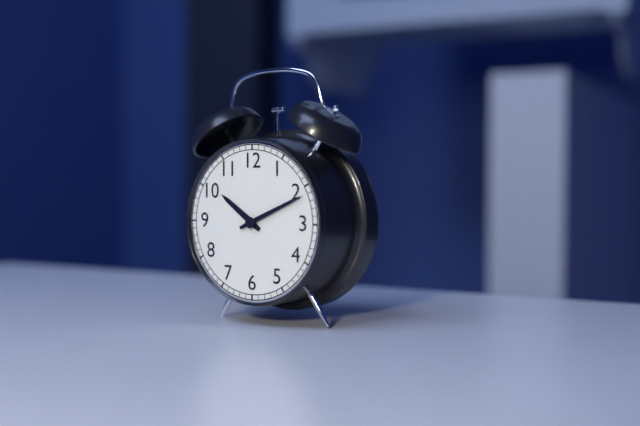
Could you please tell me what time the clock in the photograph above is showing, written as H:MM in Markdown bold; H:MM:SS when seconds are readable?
**10:11**
